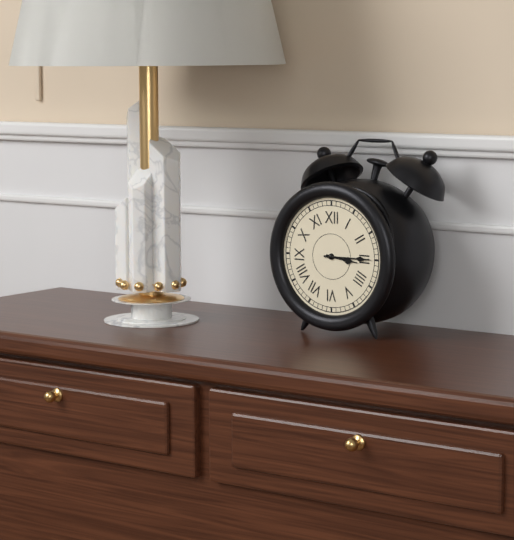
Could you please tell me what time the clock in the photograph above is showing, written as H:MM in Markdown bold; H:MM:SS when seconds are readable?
**3:15**
